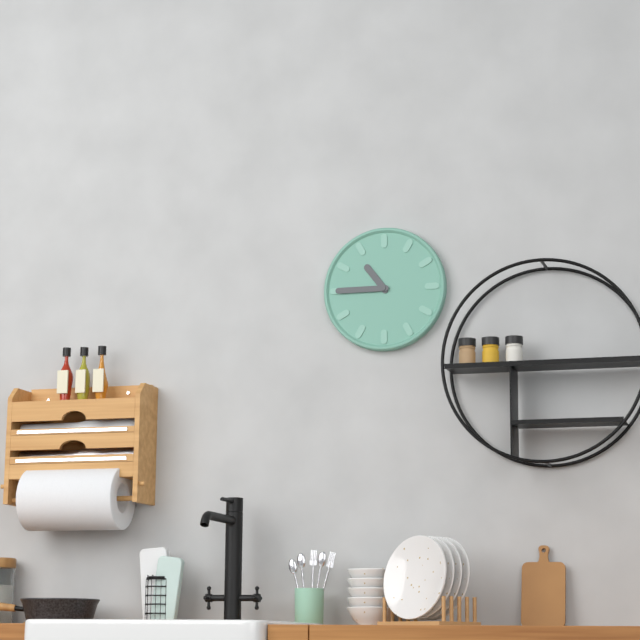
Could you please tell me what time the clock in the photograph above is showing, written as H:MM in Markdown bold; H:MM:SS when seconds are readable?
**10:45**
